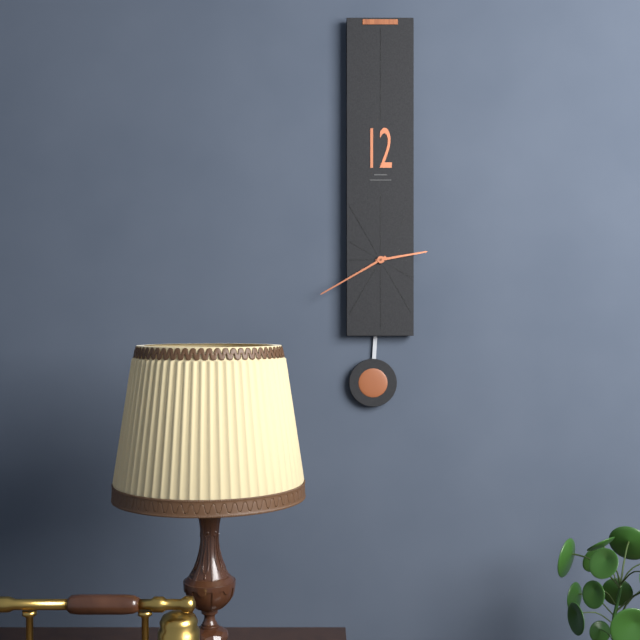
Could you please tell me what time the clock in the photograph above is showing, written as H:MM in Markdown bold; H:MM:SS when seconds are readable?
**2:40**
